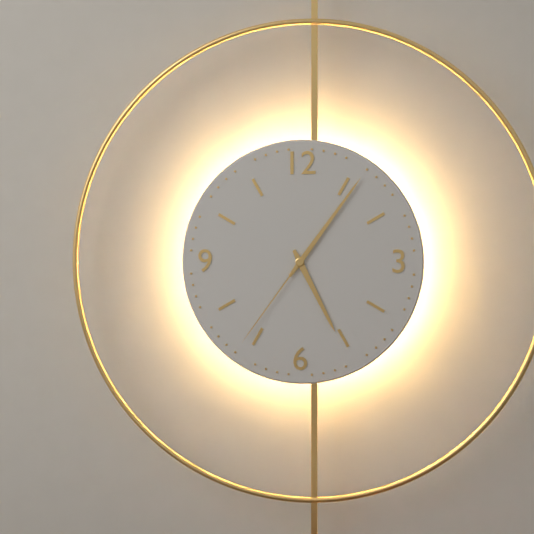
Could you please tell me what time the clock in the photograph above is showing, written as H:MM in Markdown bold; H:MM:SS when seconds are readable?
**5:06:36**
